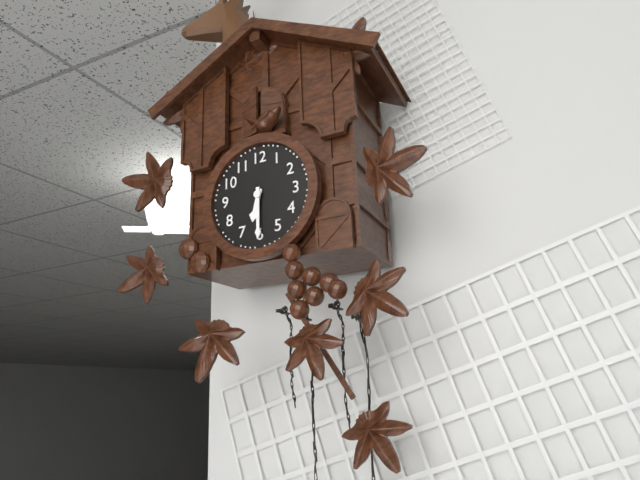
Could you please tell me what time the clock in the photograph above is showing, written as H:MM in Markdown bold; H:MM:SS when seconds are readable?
**6:30**
